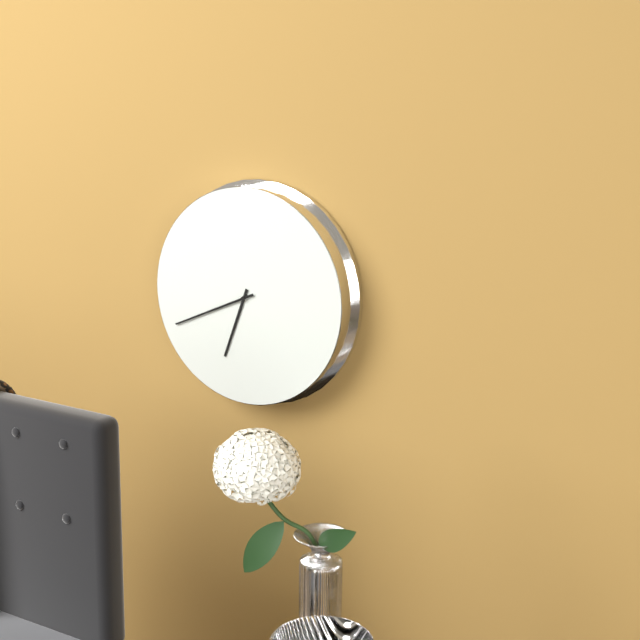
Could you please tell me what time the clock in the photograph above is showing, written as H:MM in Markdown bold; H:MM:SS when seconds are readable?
**6:41**
